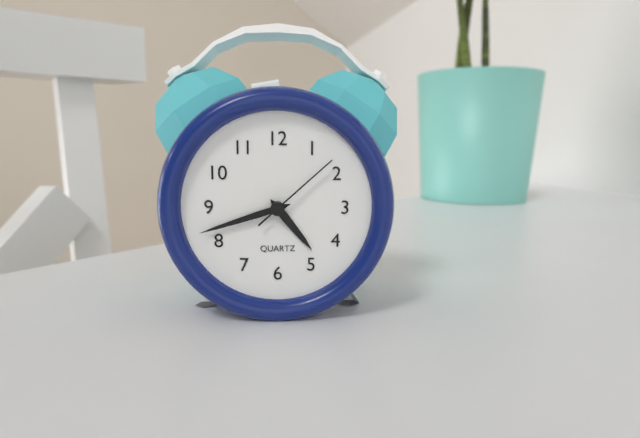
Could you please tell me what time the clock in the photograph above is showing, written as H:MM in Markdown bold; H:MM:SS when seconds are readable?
**4:42:08**
